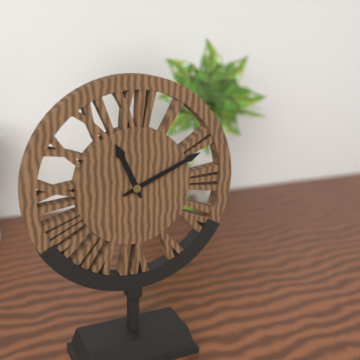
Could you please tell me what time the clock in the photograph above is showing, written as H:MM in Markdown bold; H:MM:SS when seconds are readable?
**11:11**
